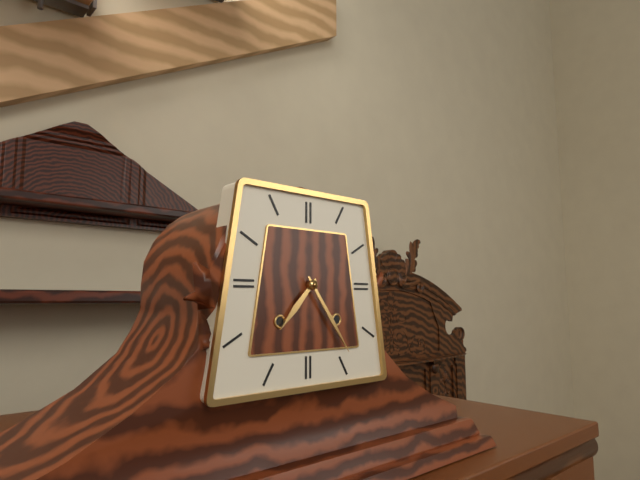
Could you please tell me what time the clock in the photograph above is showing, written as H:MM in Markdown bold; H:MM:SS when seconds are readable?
**7:24**
